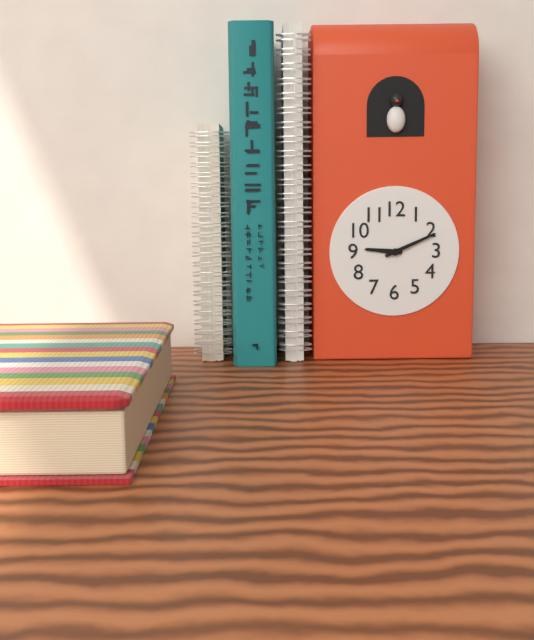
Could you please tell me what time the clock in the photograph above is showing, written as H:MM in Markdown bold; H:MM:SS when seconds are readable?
**9:11**
